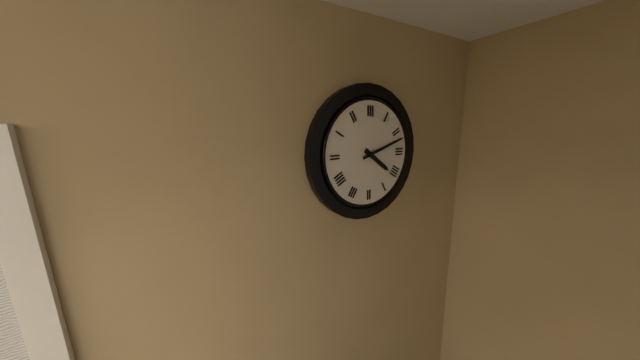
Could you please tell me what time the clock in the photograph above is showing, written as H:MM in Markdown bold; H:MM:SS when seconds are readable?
**4:12**
